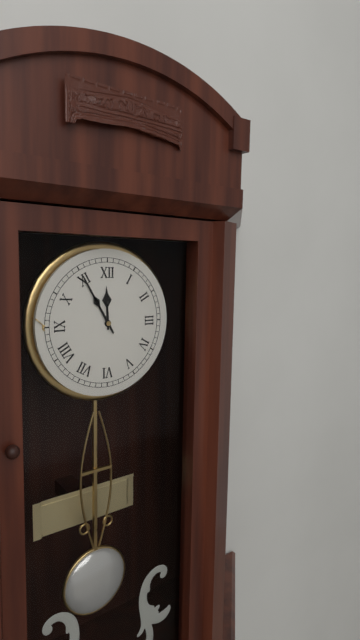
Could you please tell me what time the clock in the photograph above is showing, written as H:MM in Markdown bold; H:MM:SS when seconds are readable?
**11:55**
